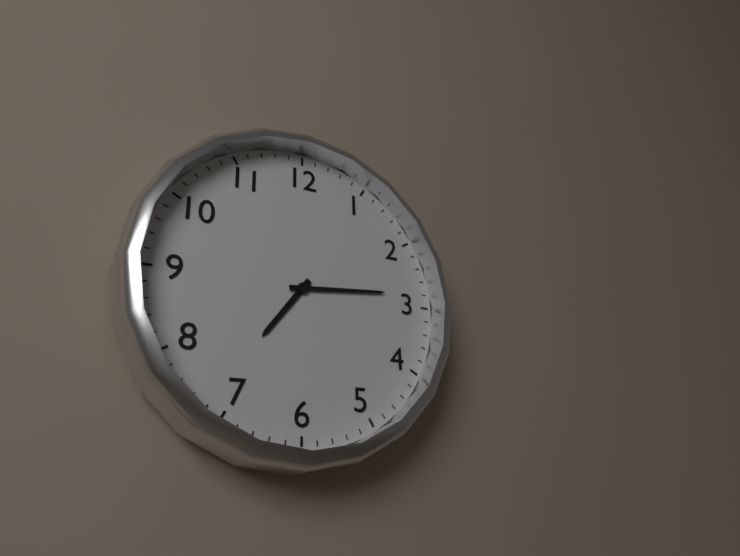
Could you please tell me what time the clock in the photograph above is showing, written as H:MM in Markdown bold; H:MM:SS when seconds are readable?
**7:14**
